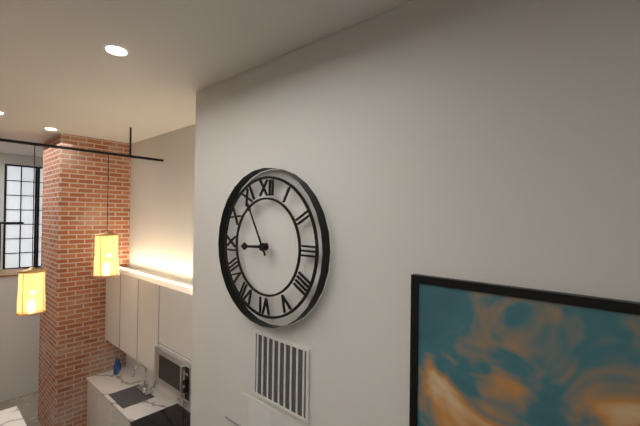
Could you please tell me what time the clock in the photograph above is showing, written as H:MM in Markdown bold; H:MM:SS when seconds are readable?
**8:55**
